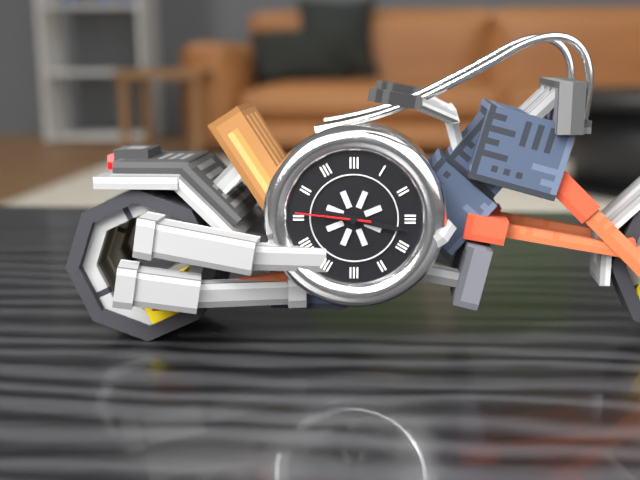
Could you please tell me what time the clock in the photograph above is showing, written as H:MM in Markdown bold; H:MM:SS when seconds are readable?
**9:17:46**
